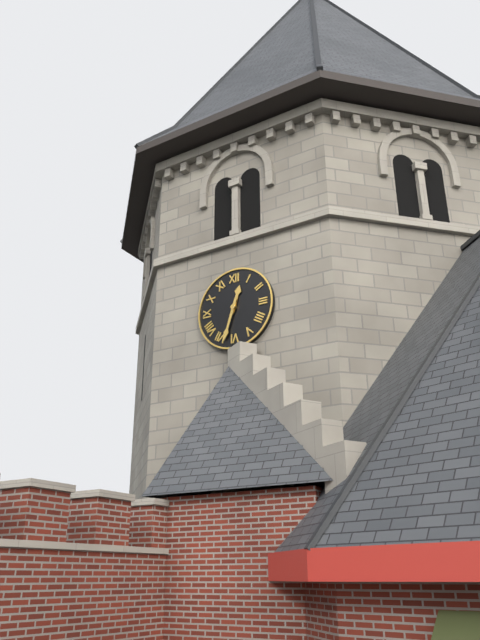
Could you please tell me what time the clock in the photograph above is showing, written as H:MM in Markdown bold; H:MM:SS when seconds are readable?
**12:33**
